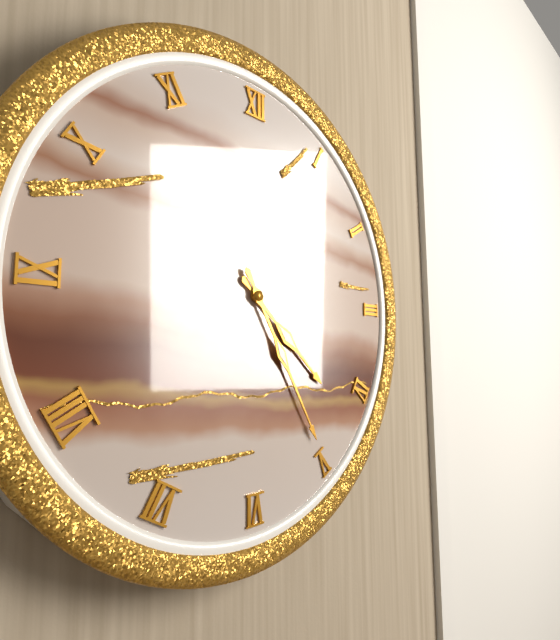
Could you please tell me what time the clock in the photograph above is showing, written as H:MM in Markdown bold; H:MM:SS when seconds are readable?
**4:25**
